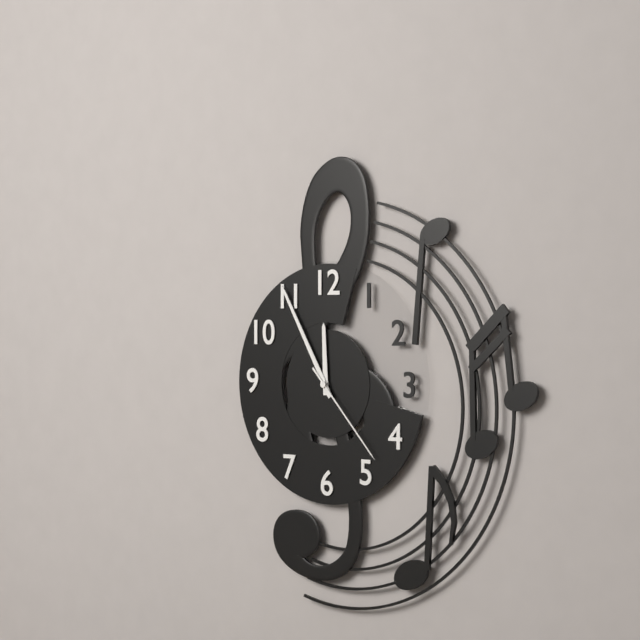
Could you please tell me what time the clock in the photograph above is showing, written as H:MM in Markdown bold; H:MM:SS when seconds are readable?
**11:55:23**
